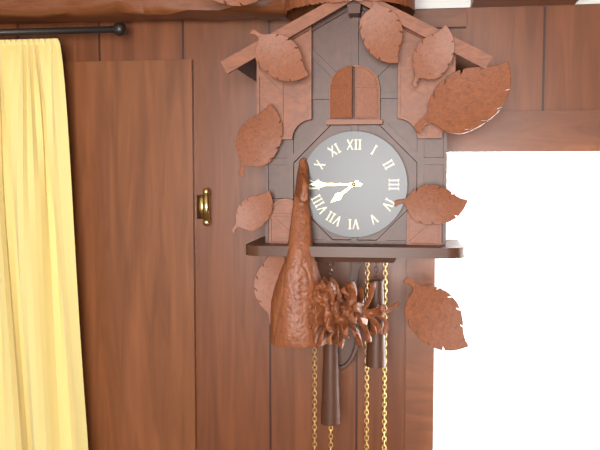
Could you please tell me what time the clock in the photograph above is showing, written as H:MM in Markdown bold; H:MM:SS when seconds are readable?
**7:45**
